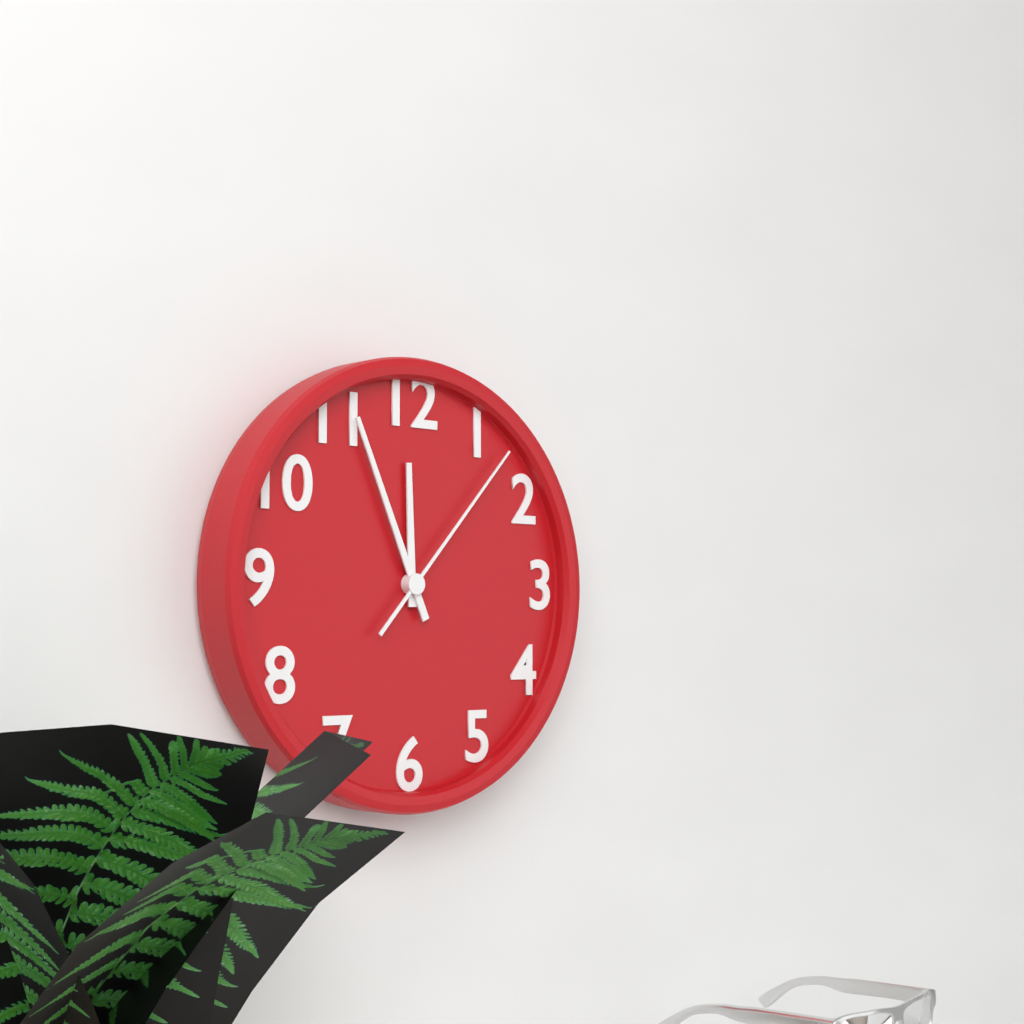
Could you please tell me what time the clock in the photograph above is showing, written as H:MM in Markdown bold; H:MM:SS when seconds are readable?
**11:56:07**
